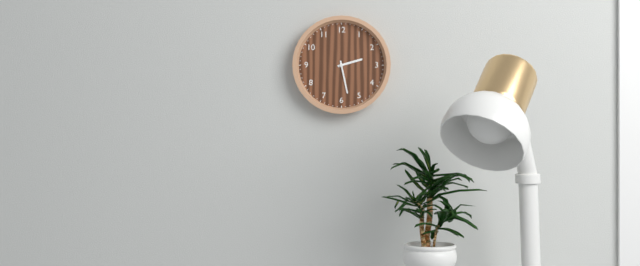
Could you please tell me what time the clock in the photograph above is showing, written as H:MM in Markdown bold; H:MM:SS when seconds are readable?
**2:28**
